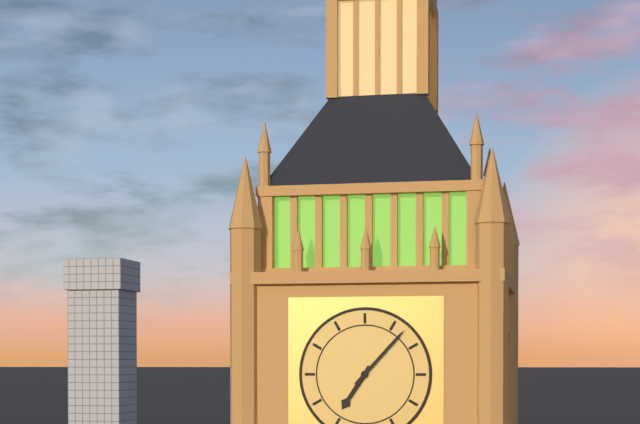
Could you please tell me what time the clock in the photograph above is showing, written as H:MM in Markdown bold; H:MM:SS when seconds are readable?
**7:07**
